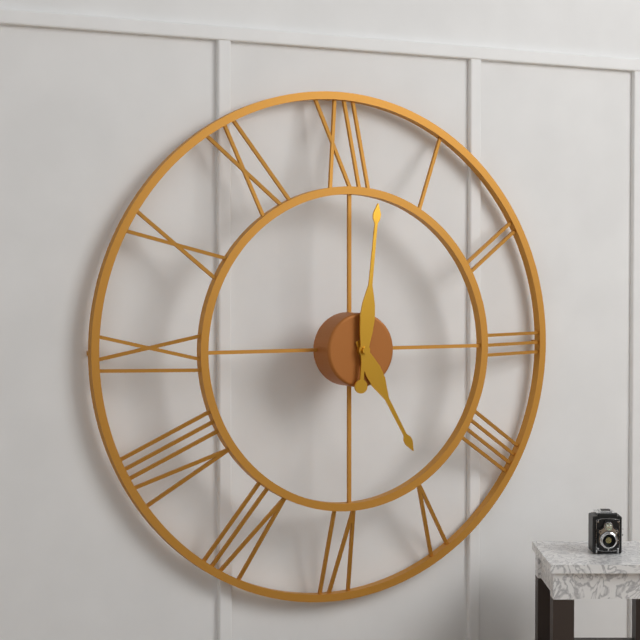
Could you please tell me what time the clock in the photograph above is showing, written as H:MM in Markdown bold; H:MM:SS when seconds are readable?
**5:01**
